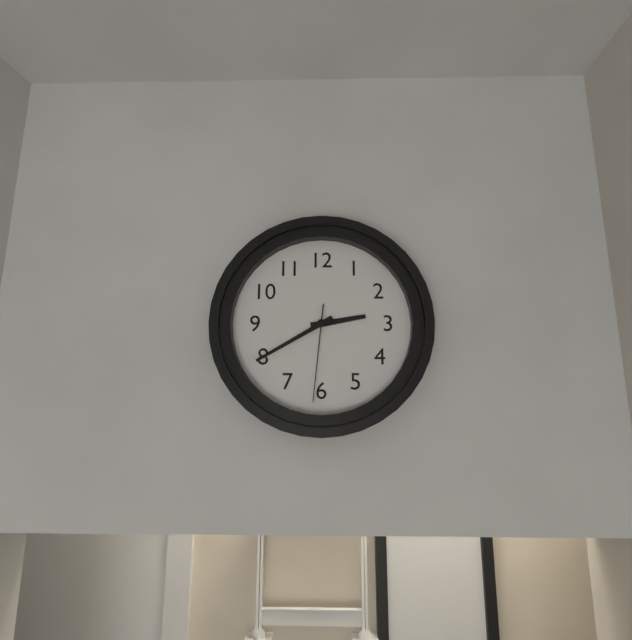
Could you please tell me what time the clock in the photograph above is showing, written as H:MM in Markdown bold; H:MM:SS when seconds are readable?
**2:40:31**
